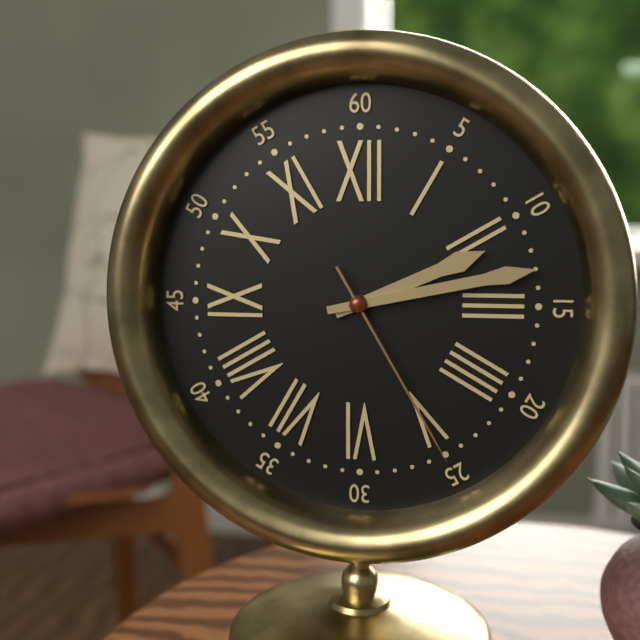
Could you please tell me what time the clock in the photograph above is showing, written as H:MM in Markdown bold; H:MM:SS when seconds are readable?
**2:13:25**
